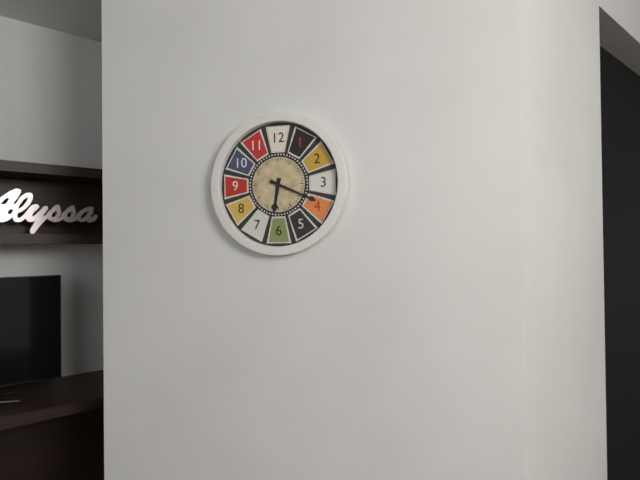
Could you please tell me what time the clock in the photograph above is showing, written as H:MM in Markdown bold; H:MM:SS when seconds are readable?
**6:19**
